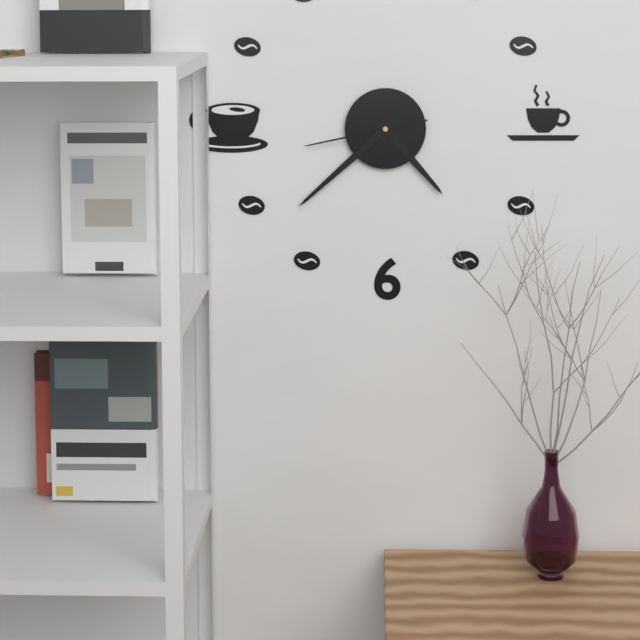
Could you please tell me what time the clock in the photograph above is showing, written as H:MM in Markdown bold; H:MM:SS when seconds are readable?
**4:38:43**
